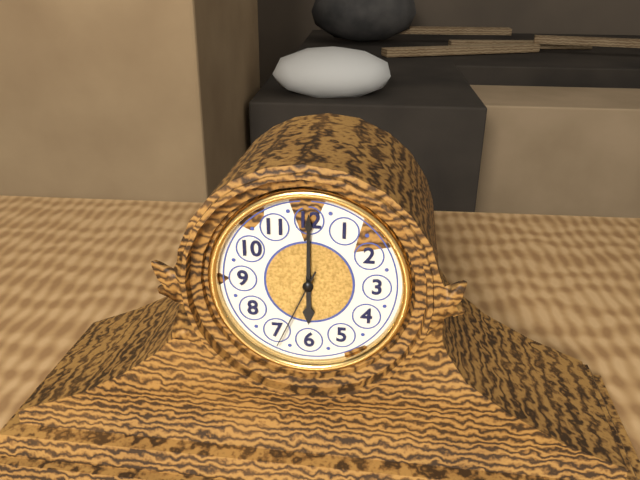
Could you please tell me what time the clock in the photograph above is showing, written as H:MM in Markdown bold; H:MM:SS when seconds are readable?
**6:00:34**
